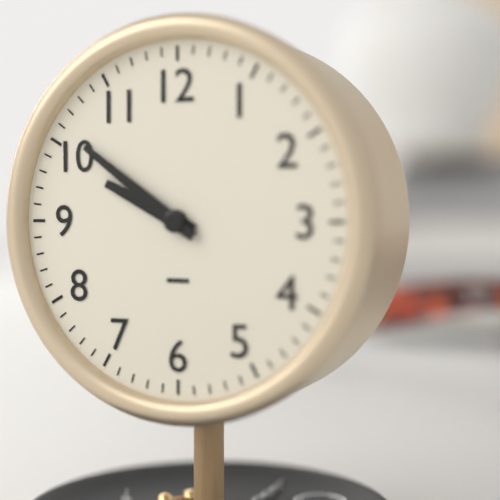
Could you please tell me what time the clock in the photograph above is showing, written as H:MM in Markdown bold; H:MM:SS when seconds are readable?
**9:51**
